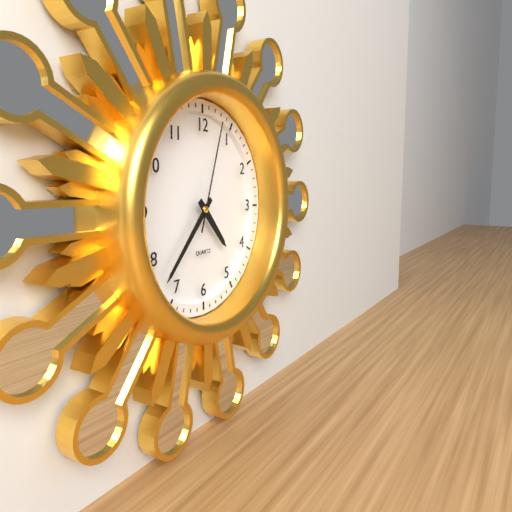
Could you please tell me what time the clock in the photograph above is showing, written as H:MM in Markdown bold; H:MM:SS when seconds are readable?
**4:37:03**
